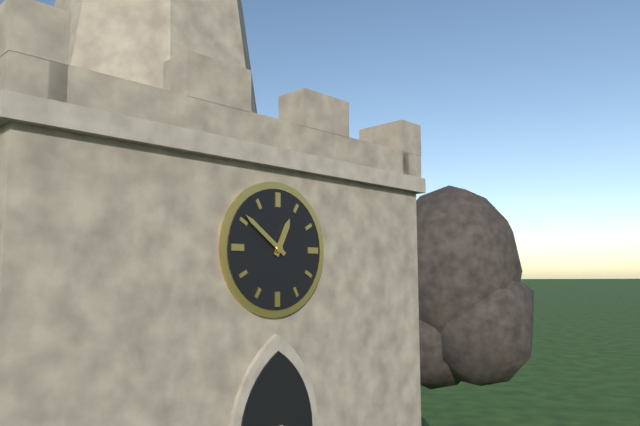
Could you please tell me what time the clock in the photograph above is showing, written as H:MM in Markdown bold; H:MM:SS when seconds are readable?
**12:51**
